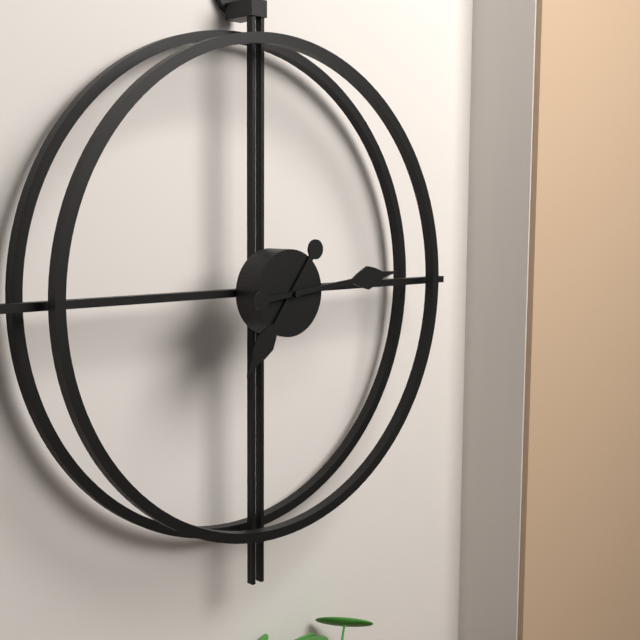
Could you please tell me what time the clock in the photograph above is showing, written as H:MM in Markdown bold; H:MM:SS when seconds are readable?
**7:14**
